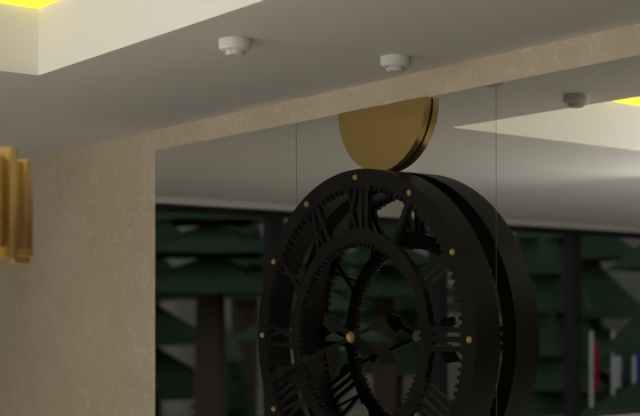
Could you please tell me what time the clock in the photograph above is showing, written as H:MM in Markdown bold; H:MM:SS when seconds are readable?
**3:42**
